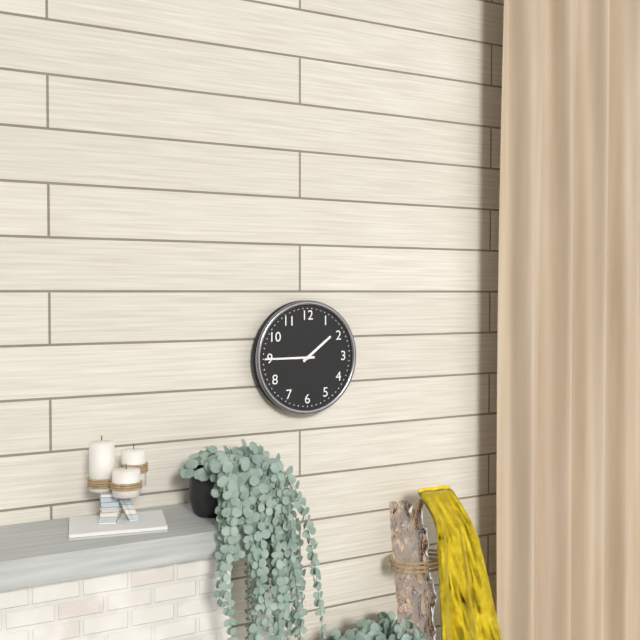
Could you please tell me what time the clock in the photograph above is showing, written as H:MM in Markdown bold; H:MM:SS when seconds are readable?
**1:45**
